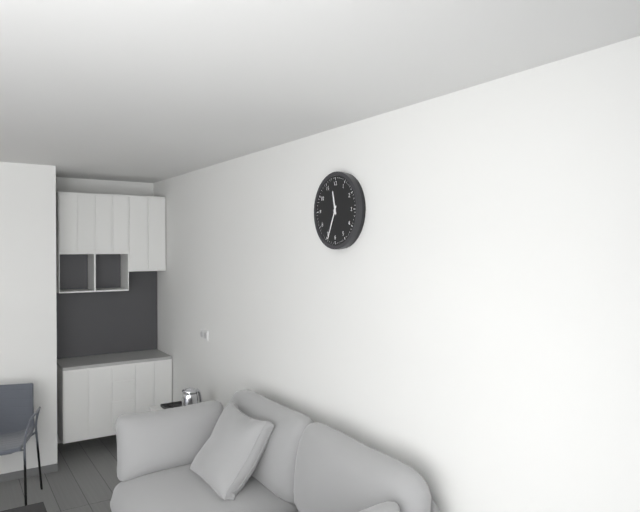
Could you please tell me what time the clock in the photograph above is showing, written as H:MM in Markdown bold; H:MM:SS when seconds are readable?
**11:34**
